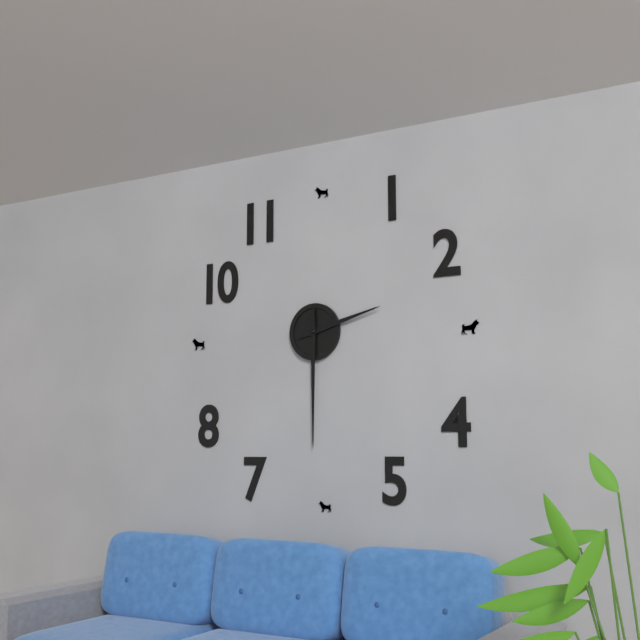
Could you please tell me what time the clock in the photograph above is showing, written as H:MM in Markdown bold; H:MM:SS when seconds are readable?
**2:30**
